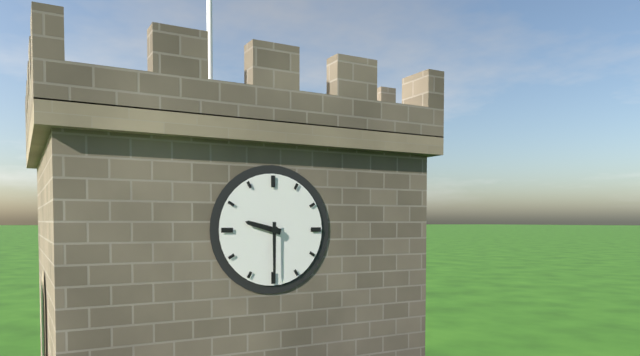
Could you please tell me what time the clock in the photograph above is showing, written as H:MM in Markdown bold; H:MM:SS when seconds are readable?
**9:30**
